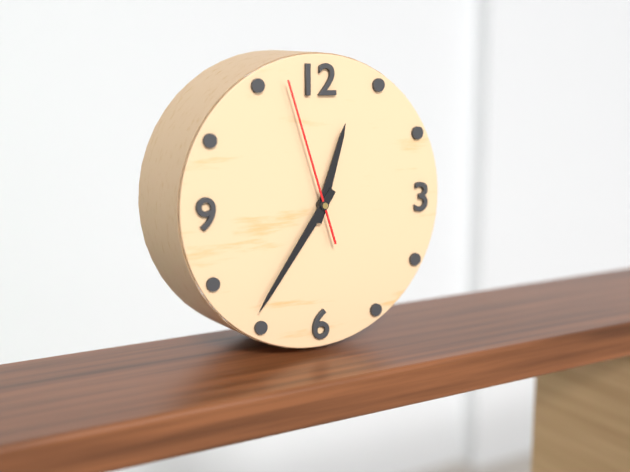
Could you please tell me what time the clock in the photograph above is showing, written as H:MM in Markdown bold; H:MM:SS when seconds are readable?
**12:36:57**
